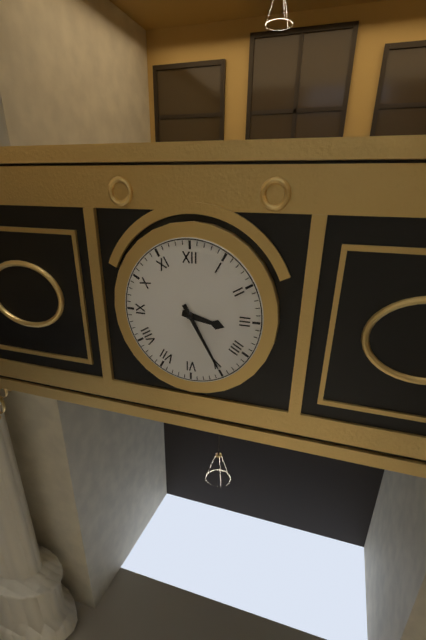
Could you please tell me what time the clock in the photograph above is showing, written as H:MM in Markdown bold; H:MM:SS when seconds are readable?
**3:25**
